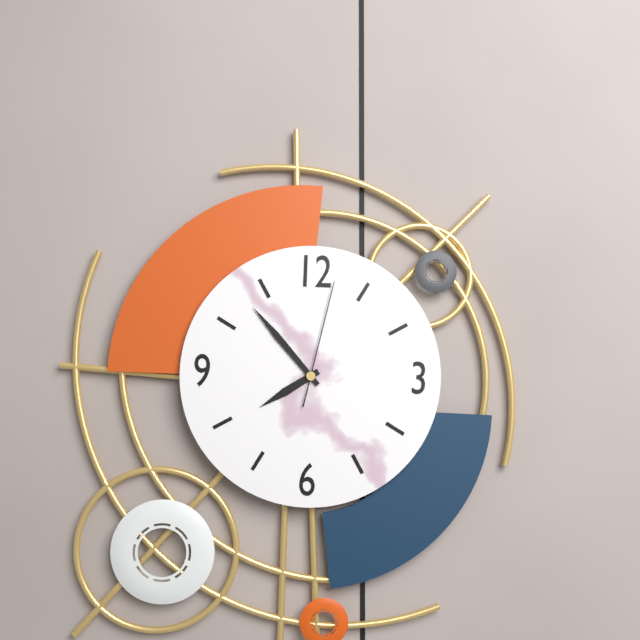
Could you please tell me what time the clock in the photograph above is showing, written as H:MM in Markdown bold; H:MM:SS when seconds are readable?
**7:53:02**
